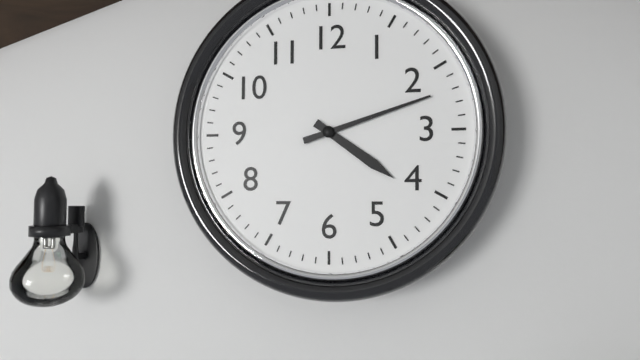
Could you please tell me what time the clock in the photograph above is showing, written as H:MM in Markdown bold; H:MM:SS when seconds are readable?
**4:12**
